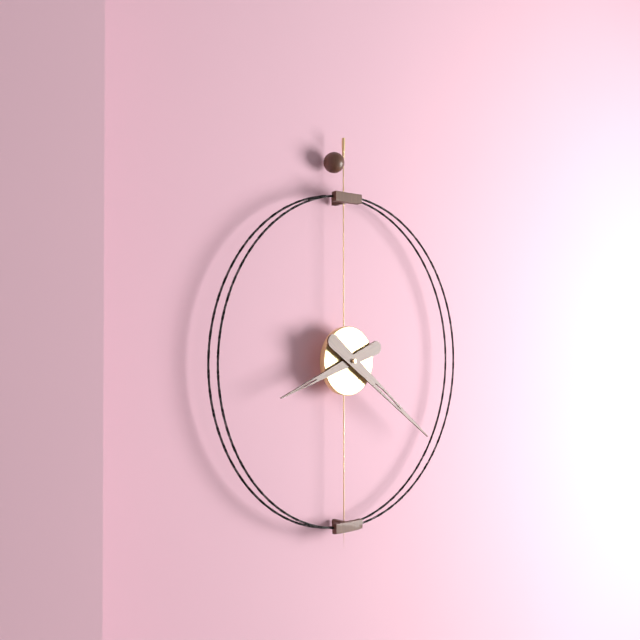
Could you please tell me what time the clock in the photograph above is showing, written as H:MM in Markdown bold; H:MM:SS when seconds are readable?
**8:21**
